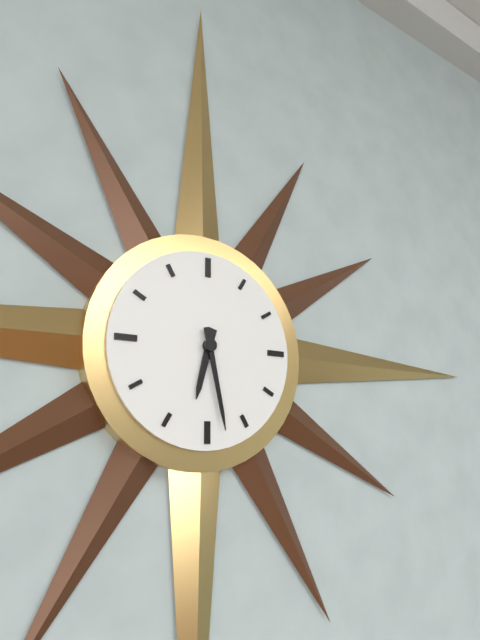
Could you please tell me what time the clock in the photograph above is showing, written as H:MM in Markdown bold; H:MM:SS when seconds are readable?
**6:28**
